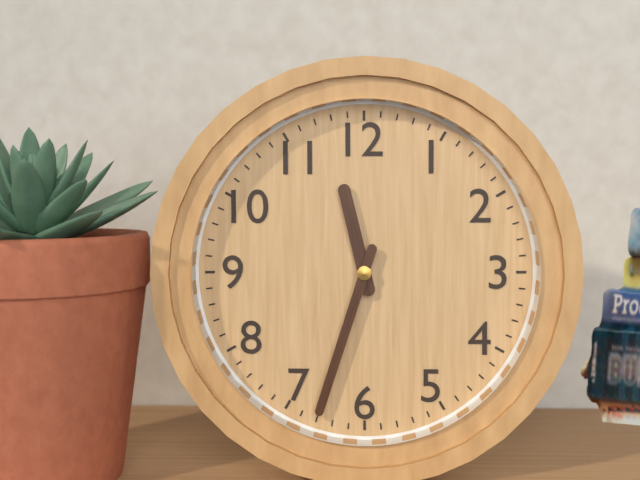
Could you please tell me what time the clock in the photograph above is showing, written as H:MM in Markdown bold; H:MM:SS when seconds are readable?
**11:33**
